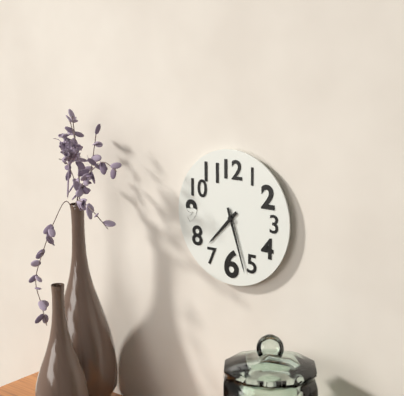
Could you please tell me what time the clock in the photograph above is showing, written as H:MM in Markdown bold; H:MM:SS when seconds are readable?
**7:27**
